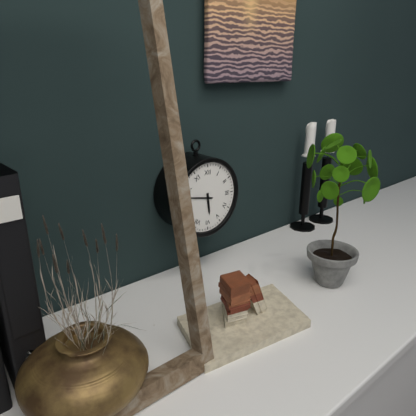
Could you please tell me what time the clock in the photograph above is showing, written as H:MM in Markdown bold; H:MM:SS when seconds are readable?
**5:47**
